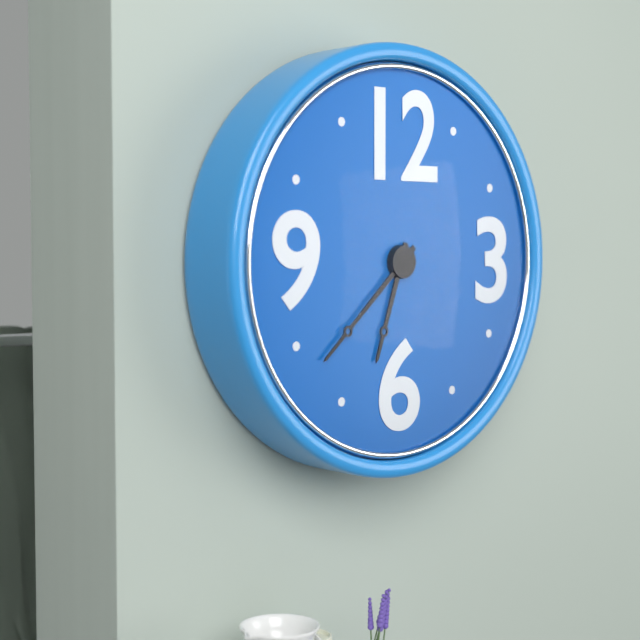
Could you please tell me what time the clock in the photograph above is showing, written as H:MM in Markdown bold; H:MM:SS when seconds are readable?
**6:38**
